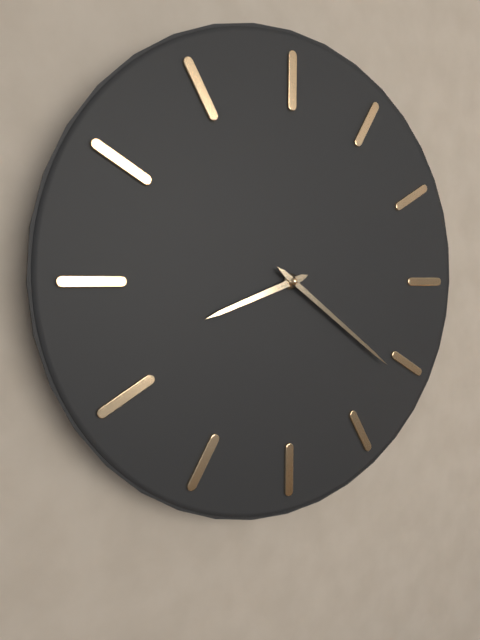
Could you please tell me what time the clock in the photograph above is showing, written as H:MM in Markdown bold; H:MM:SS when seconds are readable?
**8:21**
